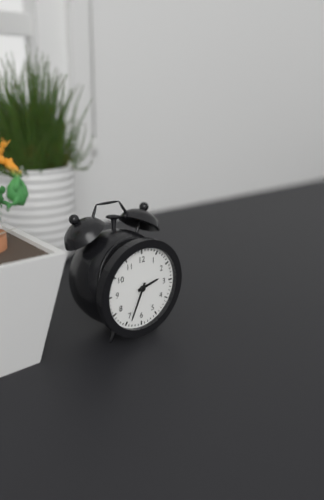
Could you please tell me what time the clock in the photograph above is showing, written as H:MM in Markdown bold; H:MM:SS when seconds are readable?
**2:34**
